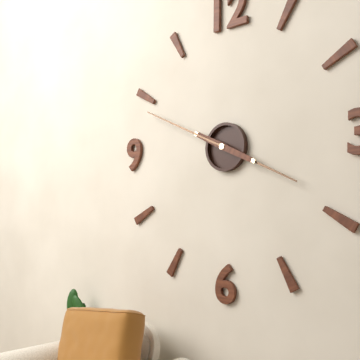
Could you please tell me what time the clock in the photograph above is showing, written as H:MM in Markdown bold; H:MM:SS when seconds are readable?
**3:49**
